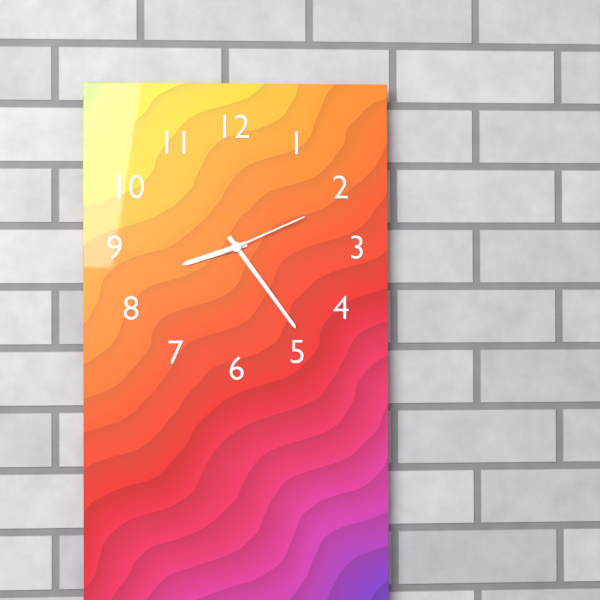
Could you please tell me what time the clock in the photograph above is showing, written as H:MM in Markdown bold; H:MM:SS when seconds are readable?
**8:24:11**
